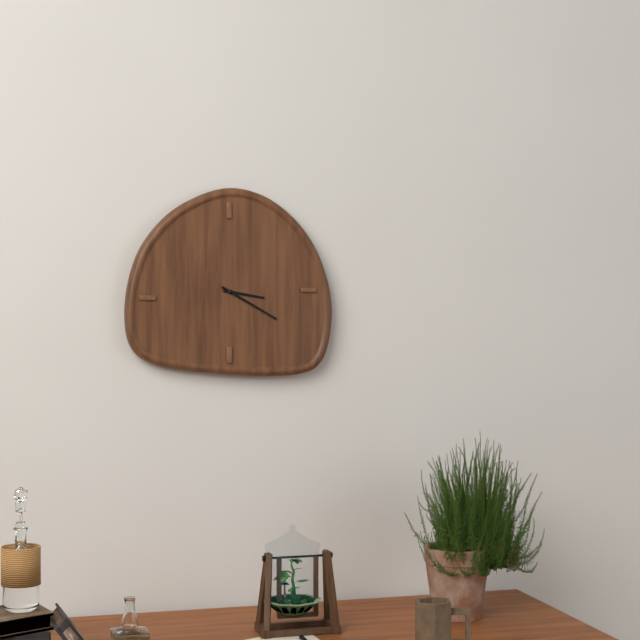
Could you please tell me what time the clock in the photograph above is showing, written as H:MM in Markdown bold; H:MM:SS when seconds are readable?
**3:20**
